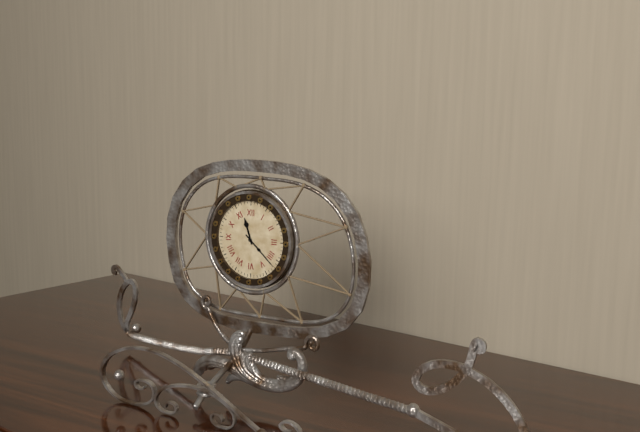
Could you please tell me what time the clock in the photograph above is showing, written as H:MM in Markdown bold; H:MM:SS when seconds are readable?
**11:22**
